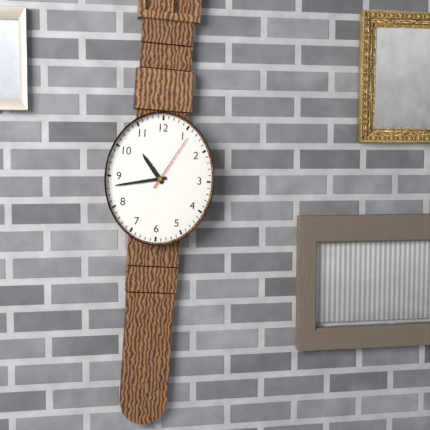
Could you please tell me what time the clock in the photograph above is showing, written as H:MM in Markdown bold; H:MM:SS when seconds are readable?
**10:43:05**
